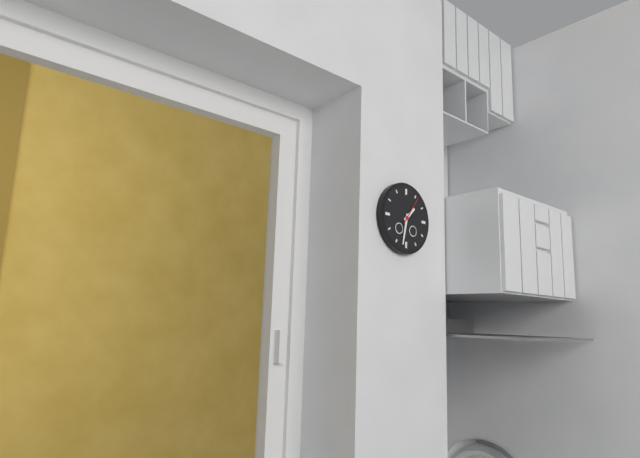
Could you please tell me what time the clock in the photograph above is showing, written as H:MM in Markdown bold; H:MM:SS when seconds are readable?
**1:32**
